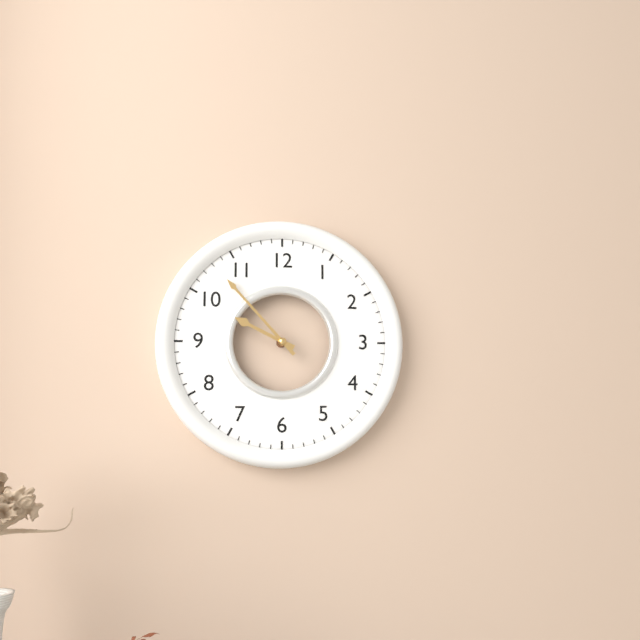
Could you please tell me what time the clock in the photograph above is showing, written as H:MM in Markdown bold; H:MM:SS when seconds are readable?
**9:53**
